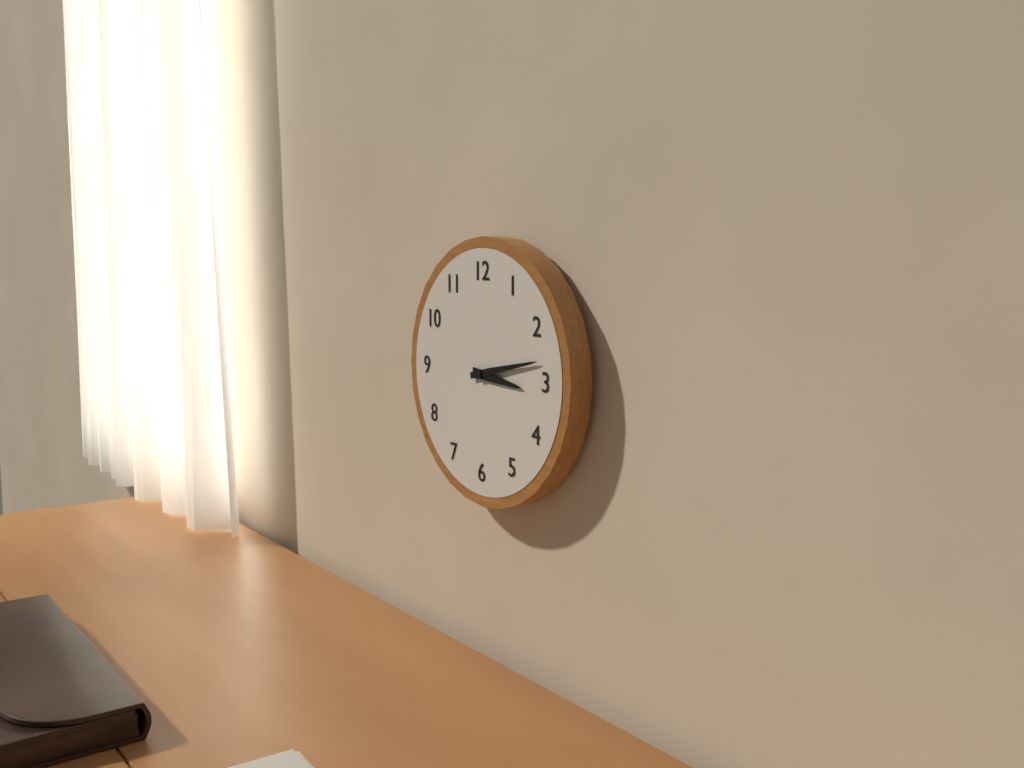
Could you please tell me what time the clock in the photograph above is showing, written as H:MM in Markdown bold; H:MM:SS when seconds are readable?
**3:13**
